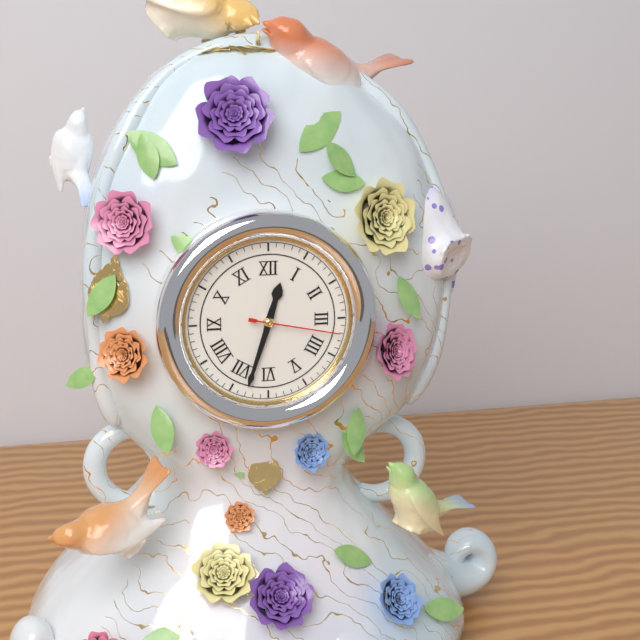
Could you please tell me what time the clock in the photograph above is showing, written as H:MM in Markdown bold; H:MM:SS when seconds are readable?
**12:33:17**
